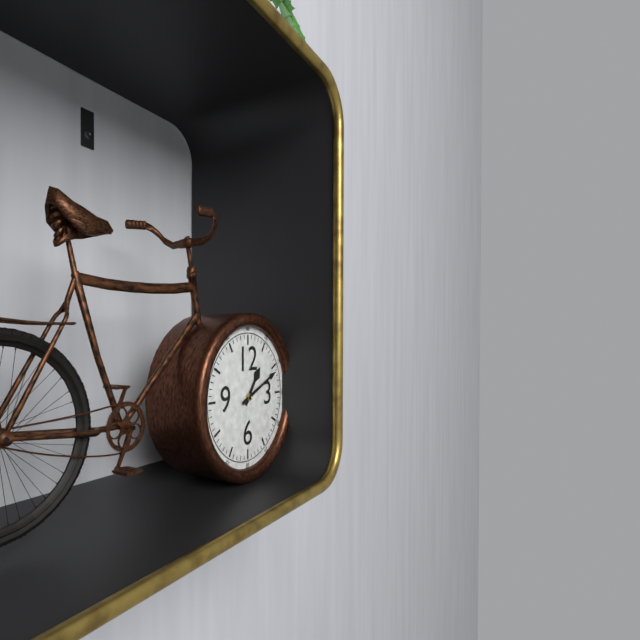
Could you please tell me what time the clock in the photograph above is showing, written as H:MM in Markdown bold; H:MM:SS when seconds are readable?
**1:11**
